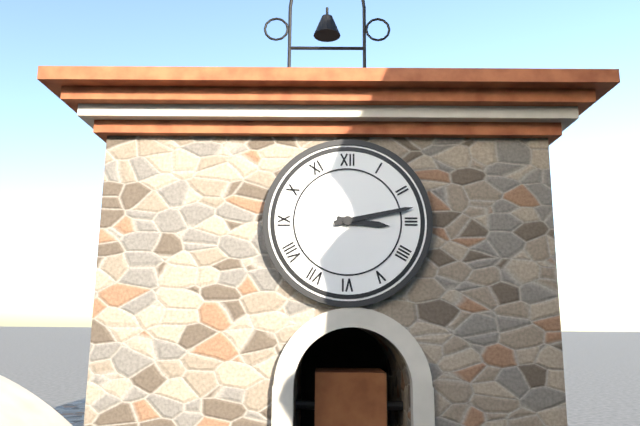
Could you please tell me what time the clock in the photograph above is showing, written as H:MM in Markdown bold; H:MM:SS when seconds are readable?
**3:13**
